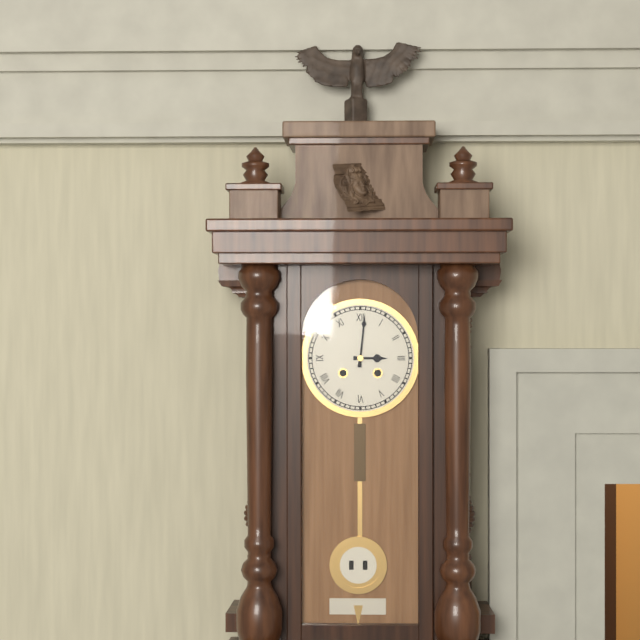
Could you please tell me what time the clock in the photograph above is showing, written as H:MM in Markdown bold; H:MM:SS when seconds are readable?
**3:01**
